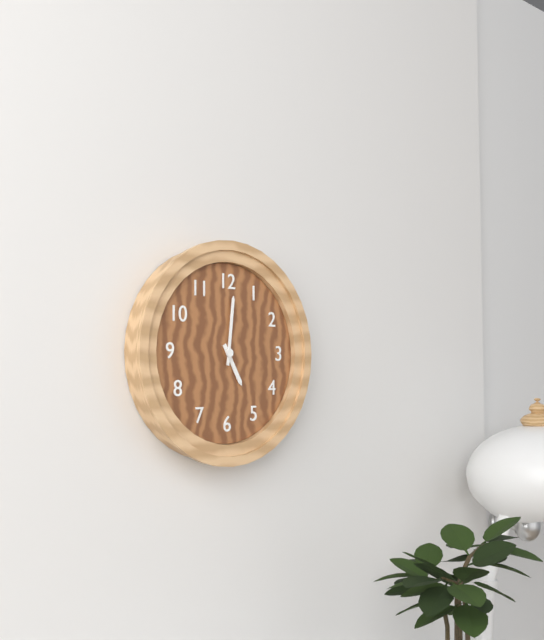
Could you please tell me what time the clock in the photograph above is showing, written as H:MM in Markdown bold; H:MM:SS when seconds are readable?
**5:01**
